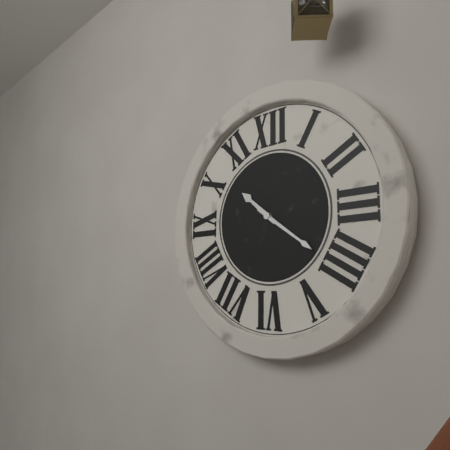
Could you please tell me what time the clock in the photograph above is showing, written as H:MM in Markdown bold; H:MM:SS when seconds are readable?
**10:21**
